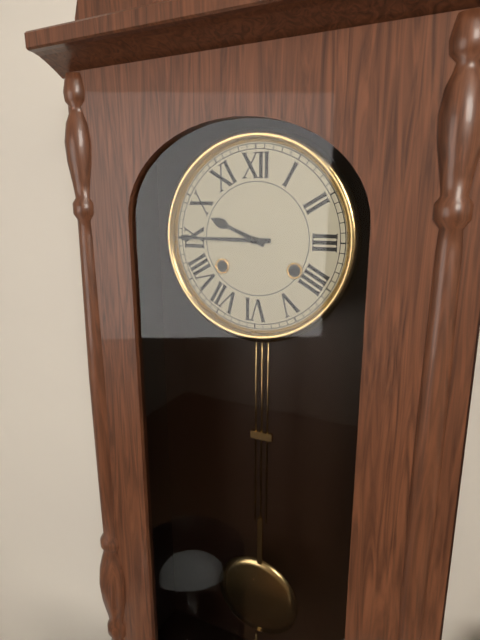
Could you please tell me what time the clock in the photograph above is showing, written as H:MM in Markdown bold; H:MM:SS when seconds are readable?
**9:45**
